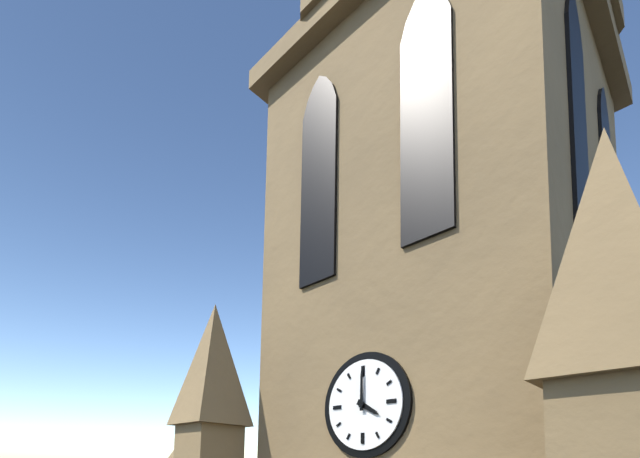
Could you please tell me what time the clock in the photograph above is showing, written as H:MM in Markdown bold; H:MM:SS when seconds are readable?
**4:00**
